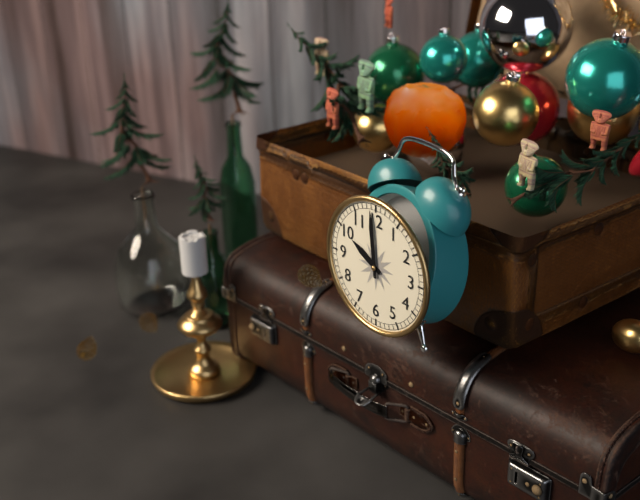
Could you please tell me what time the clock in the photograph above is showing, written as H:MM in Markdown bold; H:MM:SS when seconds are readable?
**9:59**
